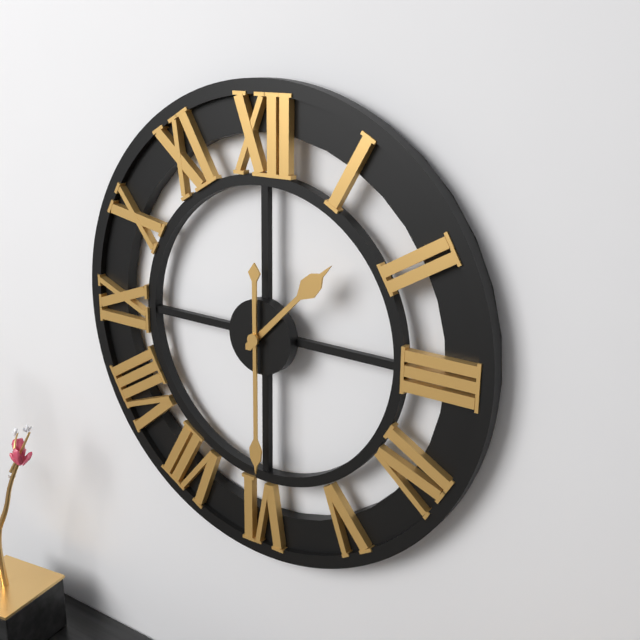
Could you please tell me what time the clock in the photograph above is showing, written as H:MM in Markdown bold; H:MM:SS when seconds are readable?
**1:30**
